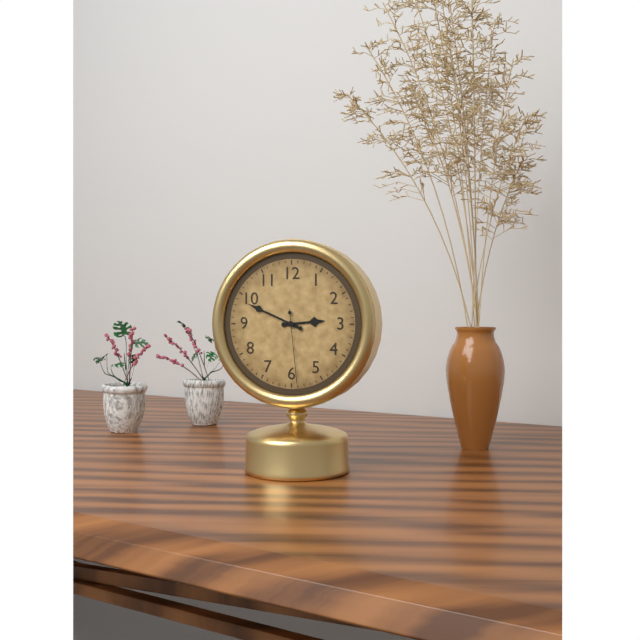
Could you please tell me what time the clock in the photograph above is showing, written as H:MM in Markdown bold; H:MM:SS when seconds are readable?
**2:49:29**
